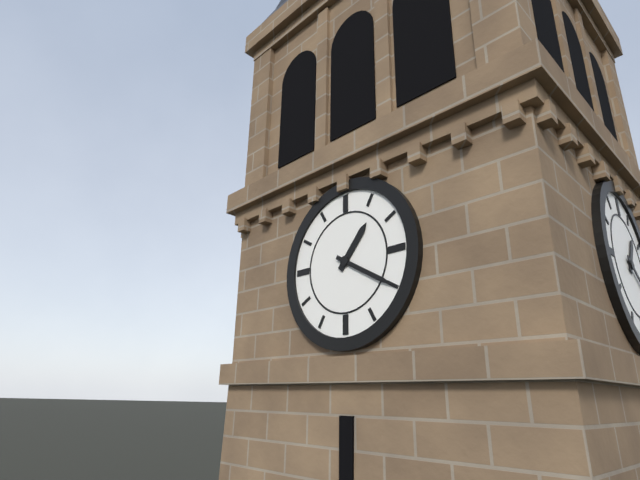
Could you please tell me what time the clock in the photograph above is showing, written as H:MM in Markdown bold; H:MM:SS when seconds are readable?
**1:20**
